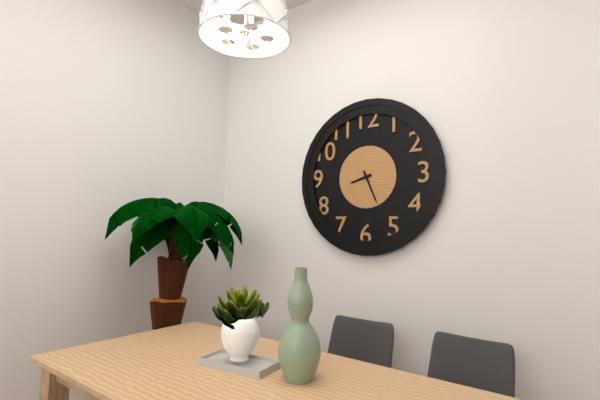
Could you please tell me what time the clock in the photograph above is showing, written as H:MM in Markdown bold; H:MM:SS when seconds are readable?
**8:26**
